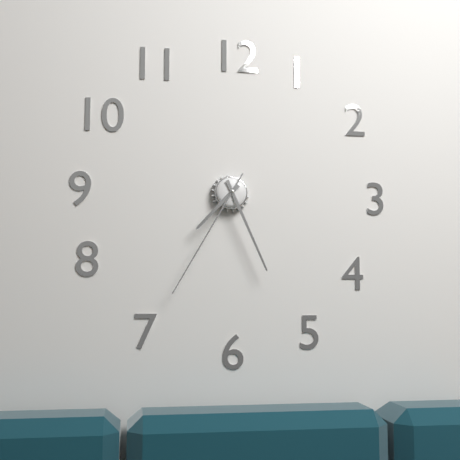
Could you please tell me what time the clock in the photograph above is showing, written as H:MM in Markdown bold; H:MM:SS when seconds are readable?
**7:26:35**
